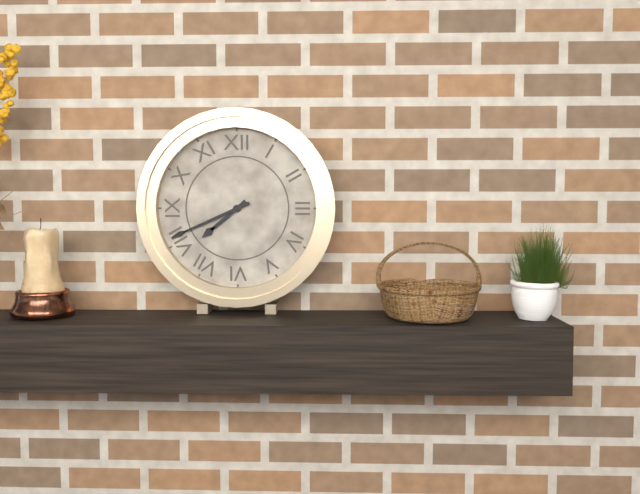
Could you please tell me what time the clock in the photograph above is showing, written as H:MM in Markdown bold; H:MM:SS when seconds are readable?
**7:41**
